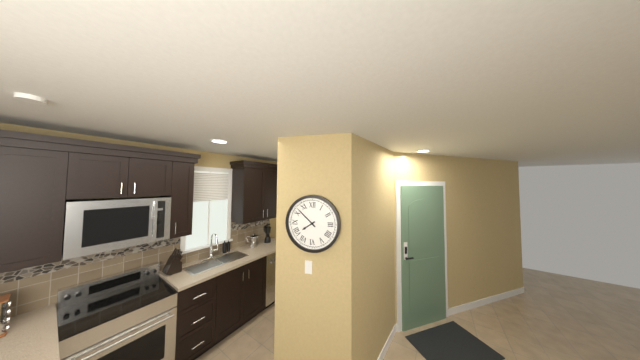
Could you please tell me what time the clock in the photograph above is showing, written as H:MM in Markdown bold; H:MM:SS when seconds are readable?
**7:52**
